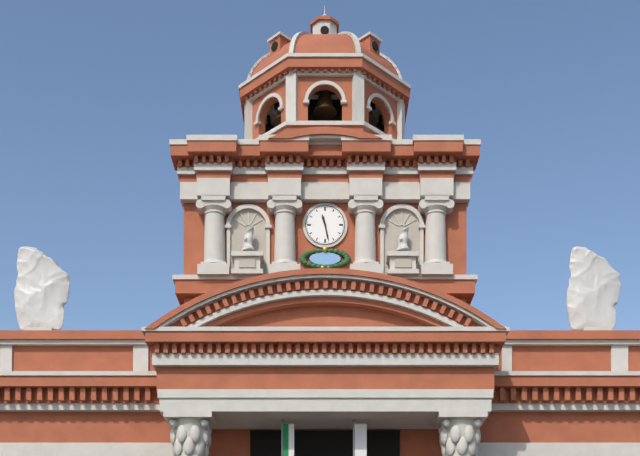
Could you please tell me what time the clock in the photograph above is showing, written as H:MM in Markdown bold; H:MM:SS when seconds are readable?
**11:28**
